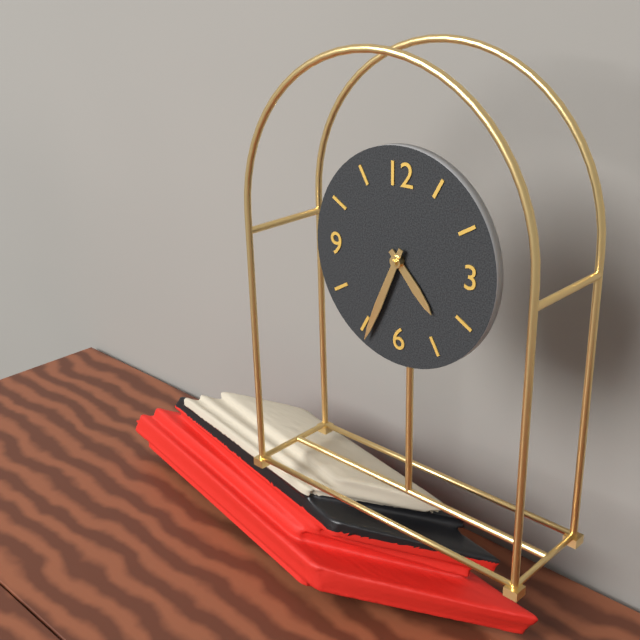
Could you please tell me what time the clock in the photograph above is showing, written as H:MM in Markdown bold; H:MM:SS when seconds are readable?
**4:34**
